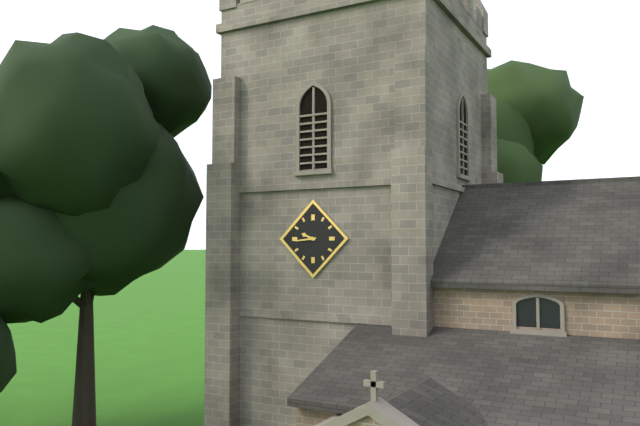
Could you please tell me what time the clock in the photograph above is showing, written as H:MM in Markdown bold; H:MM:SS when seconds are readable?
**9:44**
